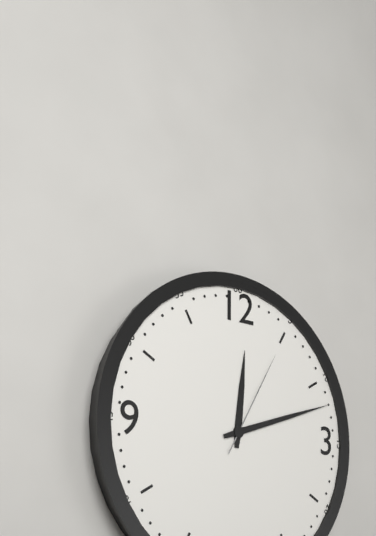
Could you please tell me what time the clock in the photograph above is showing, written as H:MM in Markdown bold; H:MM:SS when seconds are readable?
**12:12:05**
